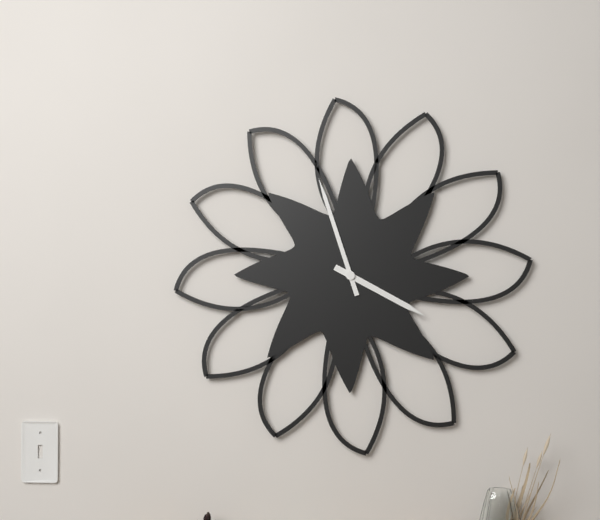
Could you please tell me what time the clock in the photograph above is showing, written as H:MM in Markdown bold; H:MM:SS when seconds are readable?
**3:57**
